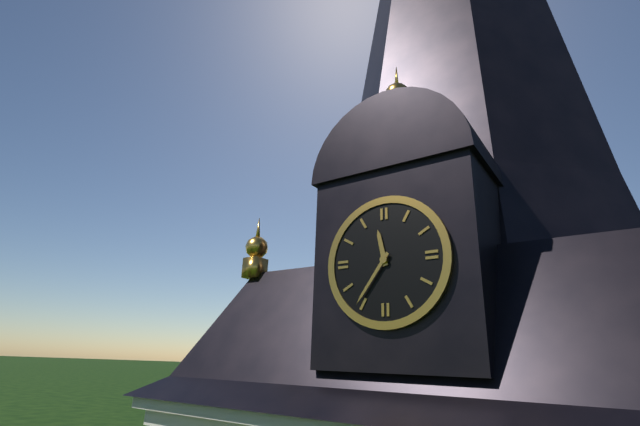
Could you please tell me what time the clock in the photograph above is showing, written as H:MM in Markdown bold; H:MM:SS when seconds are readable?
**11:36**
